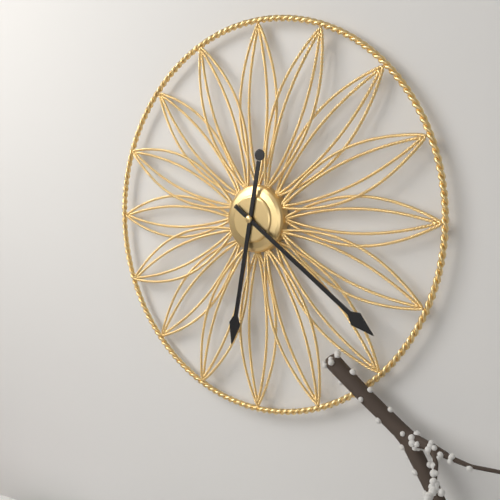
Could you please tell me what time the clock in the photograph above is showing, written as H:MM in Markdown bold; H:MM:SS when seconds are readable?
**6:21**
